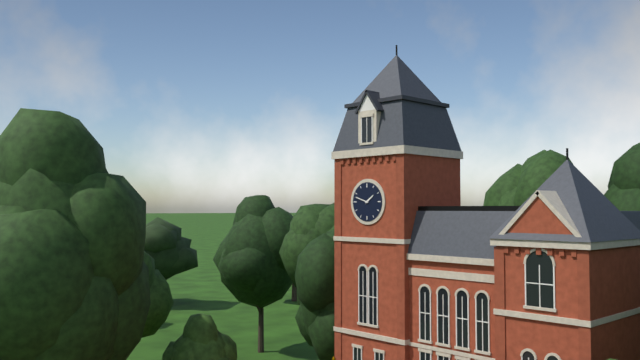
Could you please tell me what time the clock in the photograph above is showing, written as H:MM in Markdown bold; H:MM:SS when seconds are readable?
**1:48**
